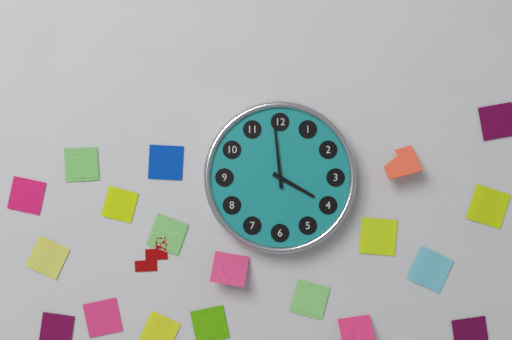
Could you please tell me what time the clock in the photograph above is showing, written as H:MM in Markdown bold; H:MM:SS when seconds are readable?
**3:59**
